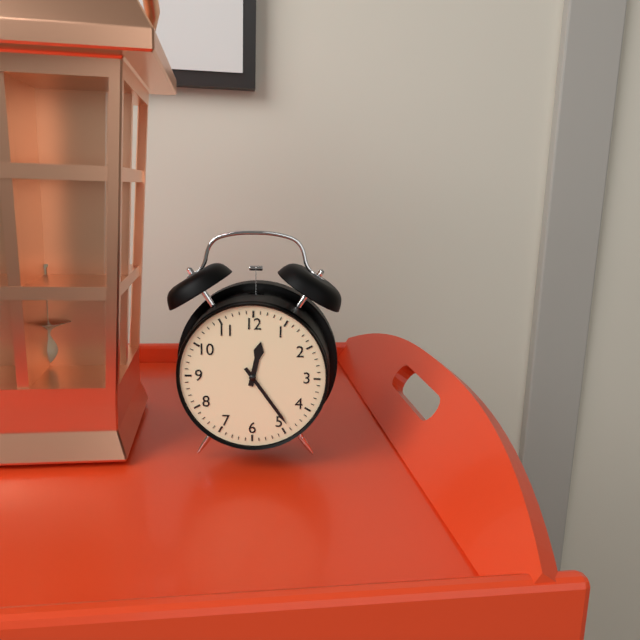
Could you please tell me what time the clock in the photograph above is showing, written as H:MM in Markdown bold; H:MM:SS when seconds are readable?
**12:24**
